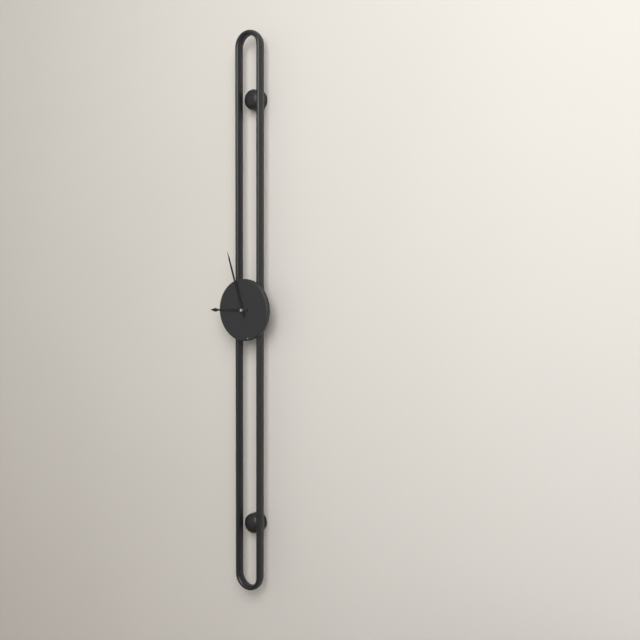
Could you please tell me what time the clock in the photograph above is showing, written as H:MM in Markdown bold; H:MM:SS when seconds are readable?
**8:57**
